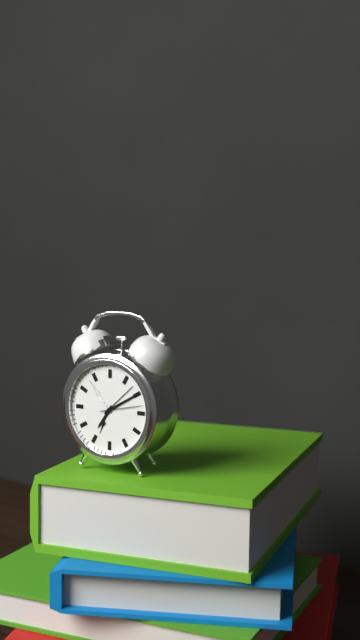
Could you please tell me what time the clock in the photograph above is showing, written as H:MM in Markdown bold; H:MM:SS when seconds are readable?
**7:10**
